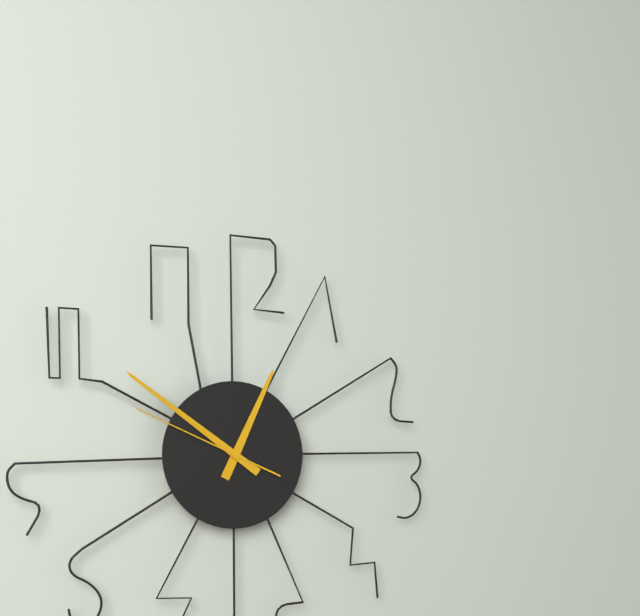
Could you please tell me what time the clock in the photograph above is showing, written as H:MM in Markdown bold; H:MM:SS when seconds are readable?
**12:51:49**
